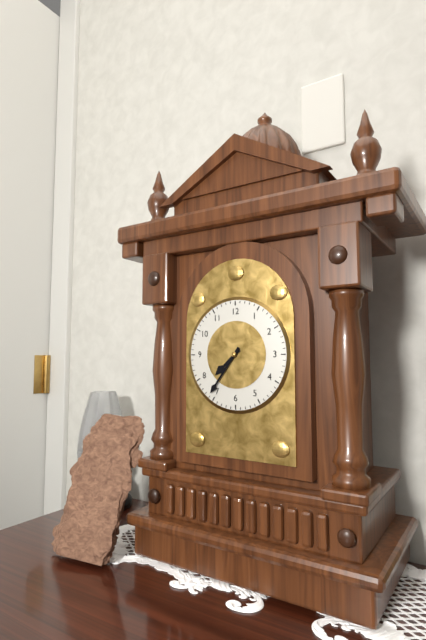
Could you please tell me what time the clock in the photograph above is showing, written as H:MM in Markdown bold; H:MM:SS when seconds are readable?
**7:36**
